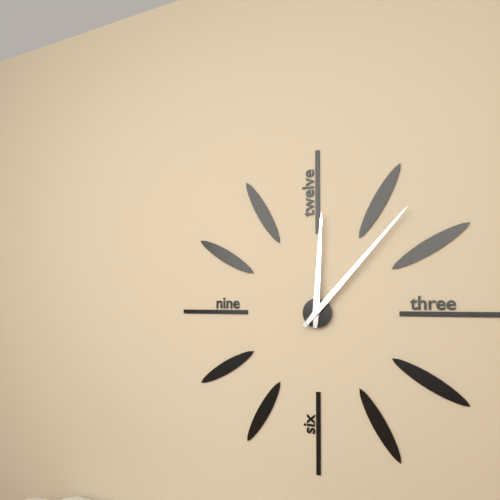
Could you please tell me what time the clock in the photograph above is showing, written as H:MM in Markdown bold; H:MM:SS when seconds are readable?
**12:07**
